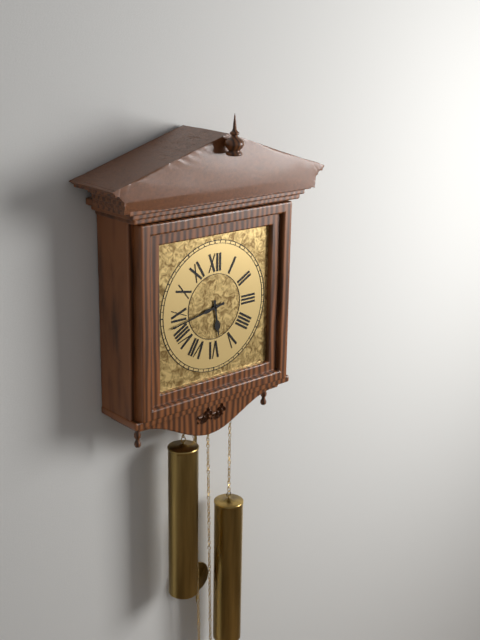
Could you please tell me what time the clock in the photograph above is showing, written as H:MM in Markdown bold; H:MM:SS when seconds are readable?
**5:43**
